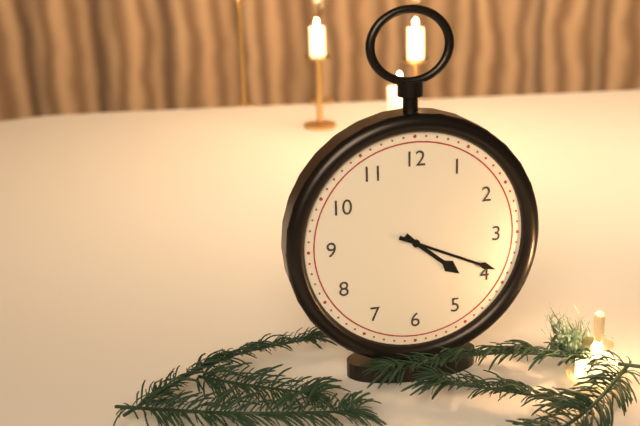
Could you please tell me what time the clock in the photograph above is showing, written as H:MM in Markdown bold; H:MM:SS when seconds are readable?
**4:19**
